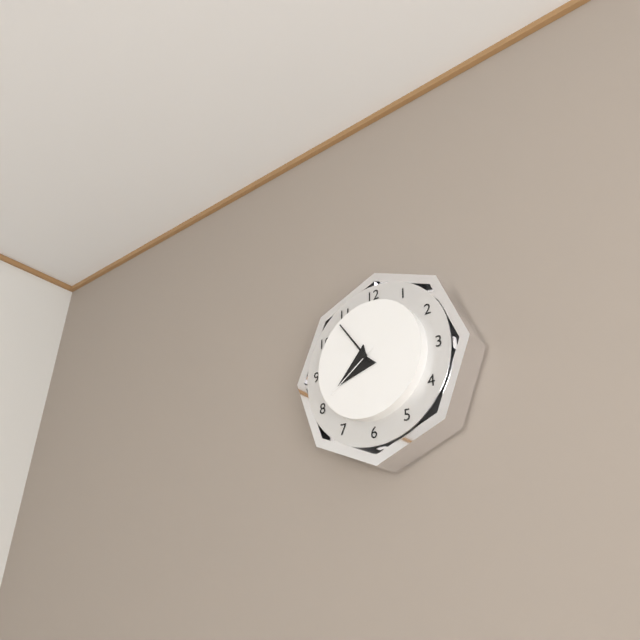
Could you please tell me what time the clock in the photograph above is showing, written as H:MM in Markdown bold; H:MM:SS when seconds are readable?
**7:54:39**
